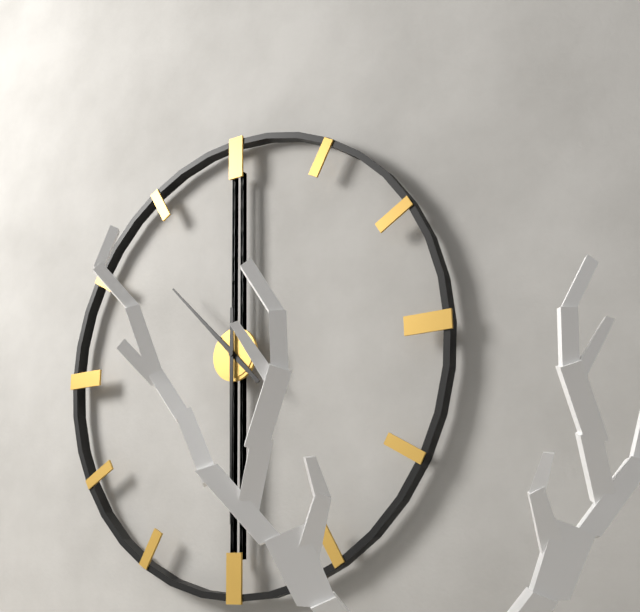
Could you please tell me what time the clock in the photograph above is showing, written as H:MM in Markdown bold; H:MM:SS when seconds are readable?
**10:30**
